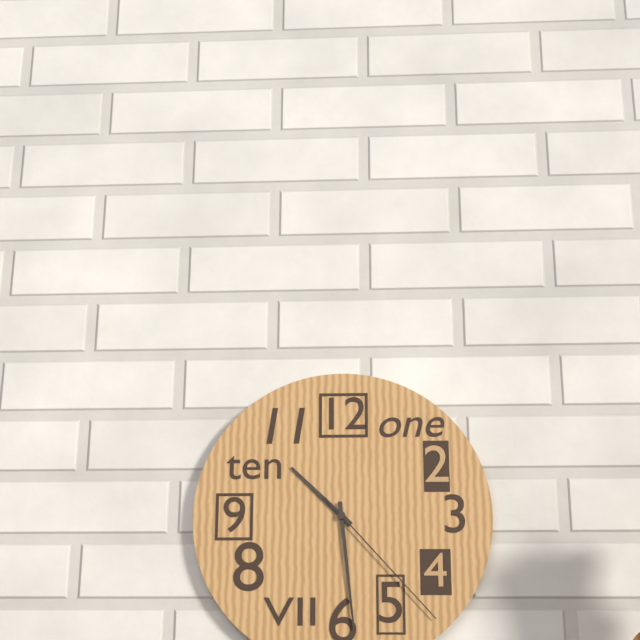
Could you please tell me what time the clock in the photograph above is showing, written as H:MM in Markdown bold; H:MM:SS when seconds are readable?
**10:29:23**
